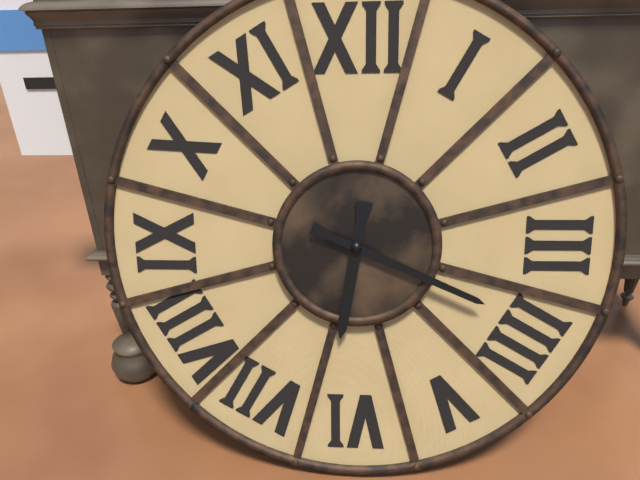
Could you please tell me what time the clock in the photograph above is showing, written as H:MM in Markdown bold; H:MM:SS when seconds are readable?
**6:19**
